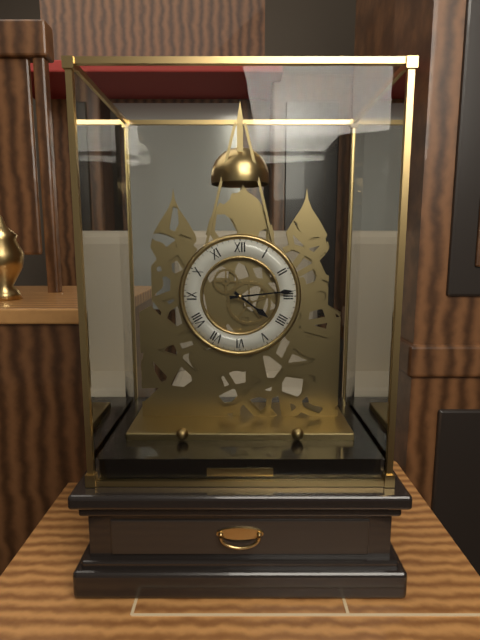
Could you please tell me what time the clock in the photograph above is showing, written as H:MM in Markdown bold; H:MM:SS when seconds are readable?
**4:14**
